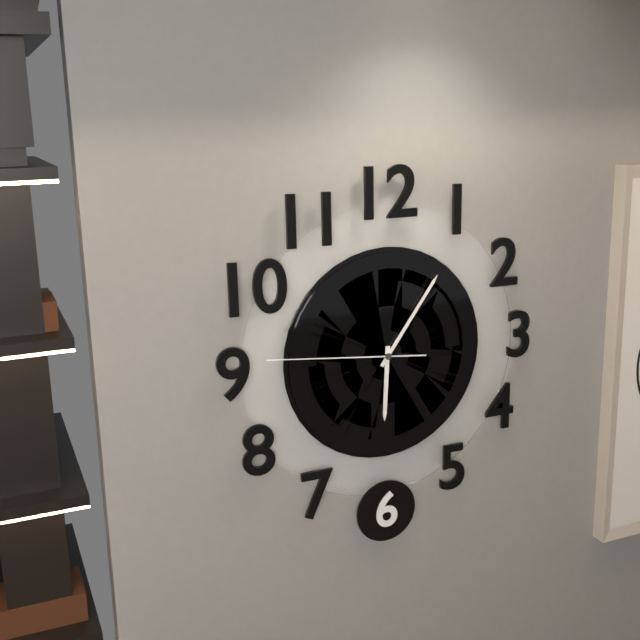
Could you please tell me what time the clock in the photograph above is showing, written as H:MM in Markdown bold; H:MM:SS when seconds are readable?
**6:06:46**
